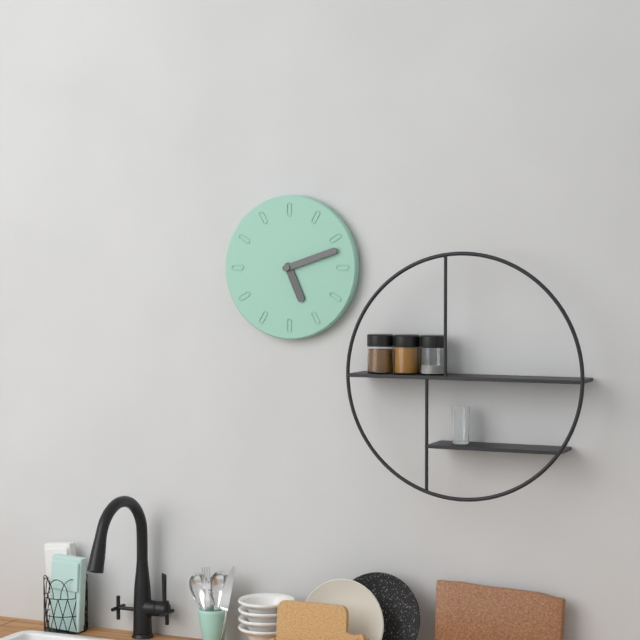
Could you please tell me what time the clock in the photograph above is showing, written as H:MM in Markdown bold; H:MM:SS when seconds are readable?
**5:12**
